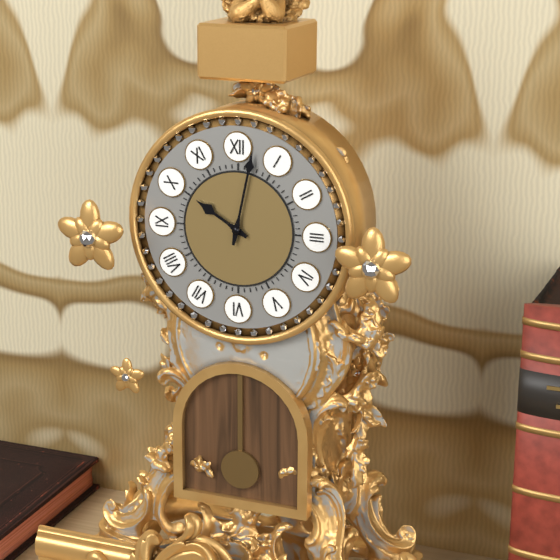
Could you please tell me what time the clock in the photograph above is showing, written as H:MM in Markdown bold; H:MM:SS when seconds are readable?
**10:02**
